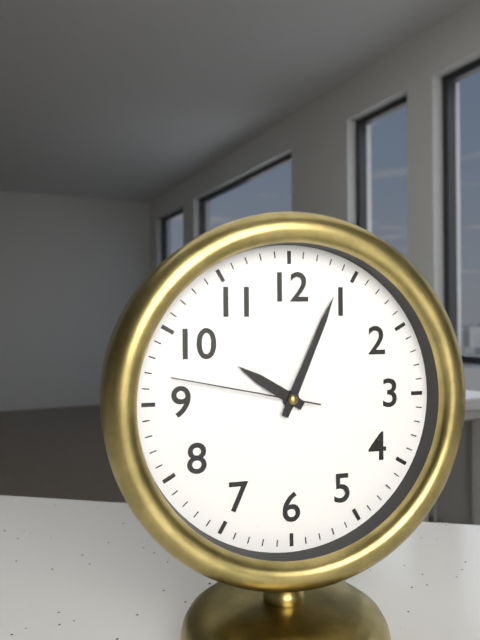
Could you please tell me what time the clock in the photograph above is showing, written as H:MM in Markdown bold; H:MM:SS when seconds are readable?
**10:04:47**
